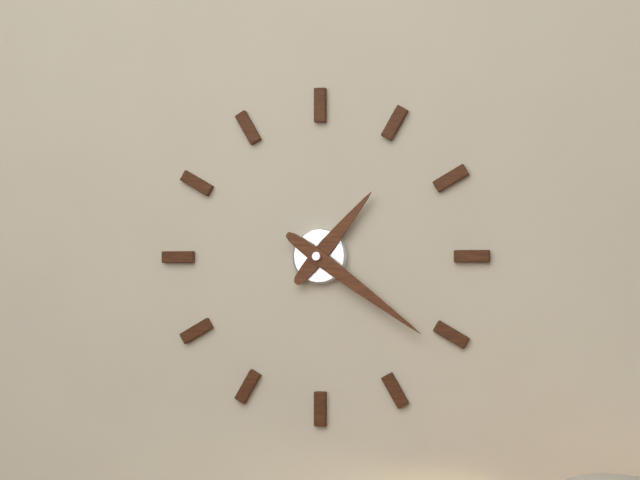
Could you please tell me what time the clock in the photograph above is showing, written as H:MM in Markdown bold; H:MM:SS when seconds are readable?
**1:21**
